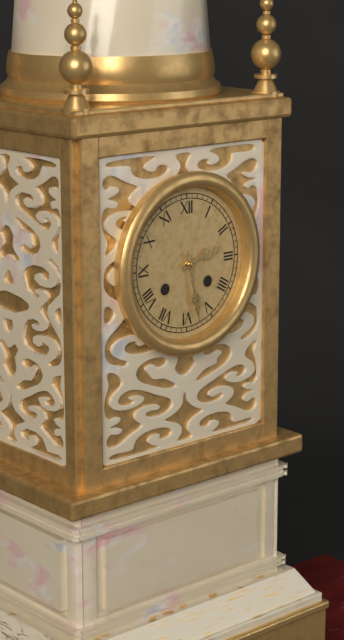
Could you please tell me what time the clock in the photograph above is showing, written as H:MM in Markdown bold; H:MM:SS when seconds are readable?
**2:28**
